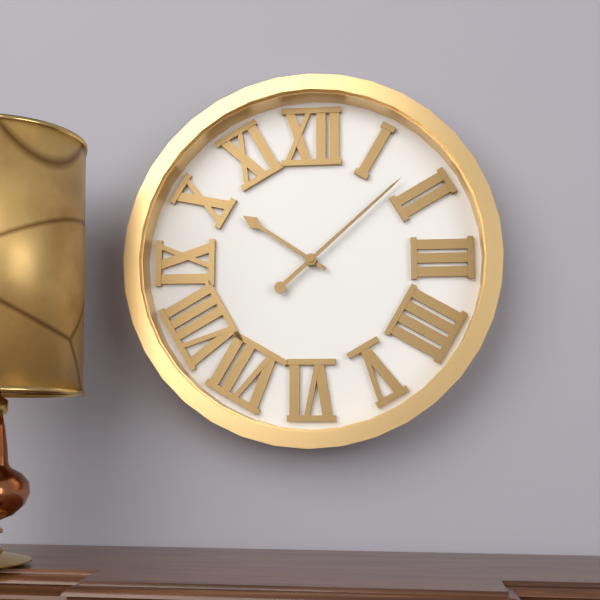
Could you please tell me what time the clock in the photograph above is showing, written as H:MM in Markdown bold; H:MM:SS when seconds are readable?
**10:08**
